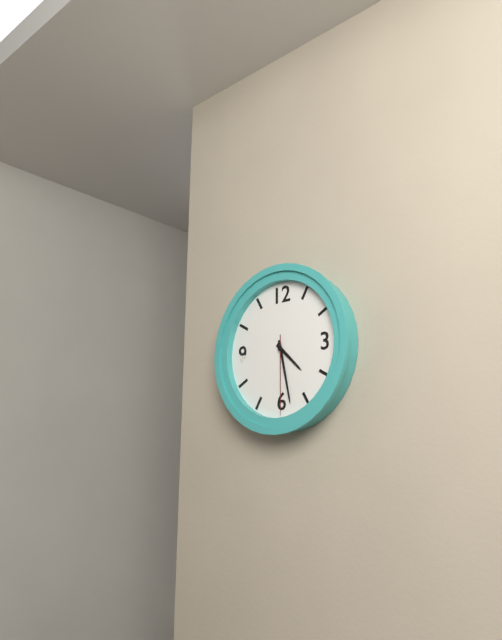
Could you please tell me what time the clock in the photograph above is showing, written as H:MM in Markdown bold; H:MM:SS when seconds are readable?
**4:28:30**
